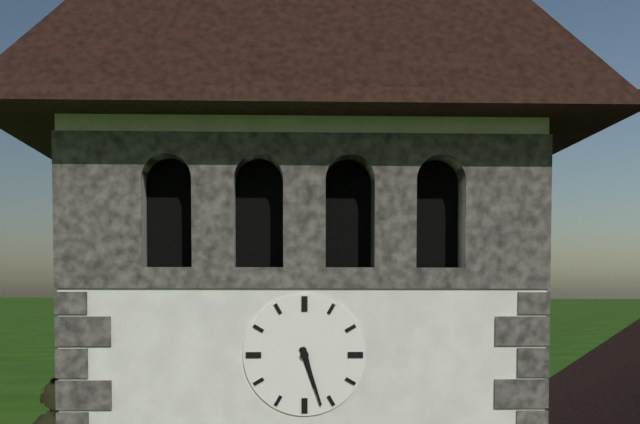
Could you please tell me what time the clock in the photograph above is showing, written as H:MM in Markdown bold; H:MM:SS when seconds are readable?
**5:27**
